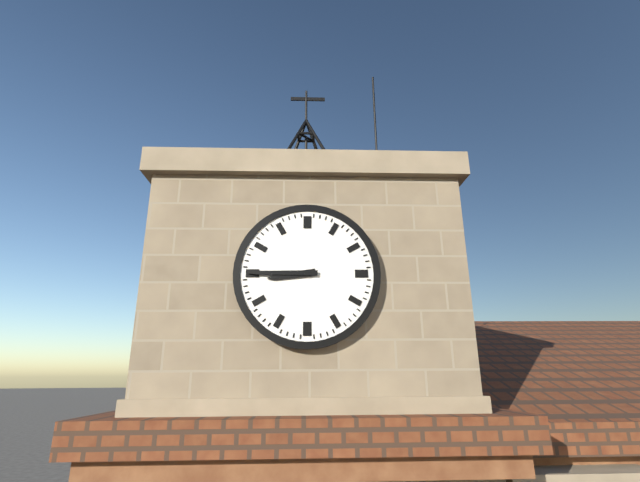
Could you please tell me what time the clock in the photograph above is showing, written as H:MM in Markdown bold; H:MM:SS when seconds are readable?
**8:45**
